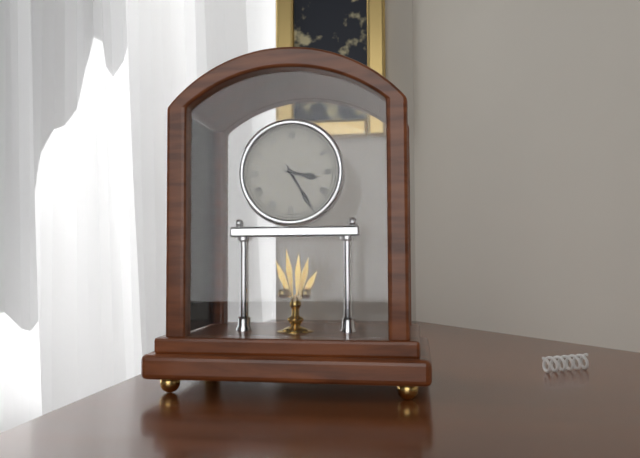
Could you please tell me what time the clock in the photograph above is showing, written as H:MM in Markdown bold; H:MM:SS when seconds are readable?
**3:25**
